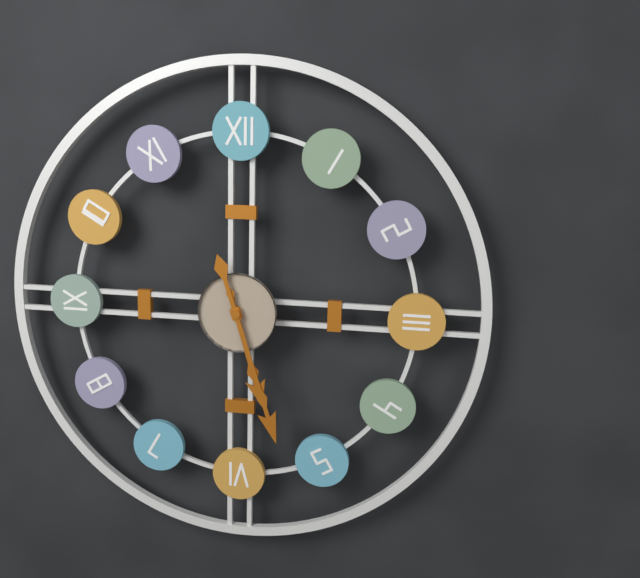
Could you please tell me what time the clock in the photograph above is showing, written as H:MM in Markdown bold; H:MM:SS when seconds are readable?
**5:27**
